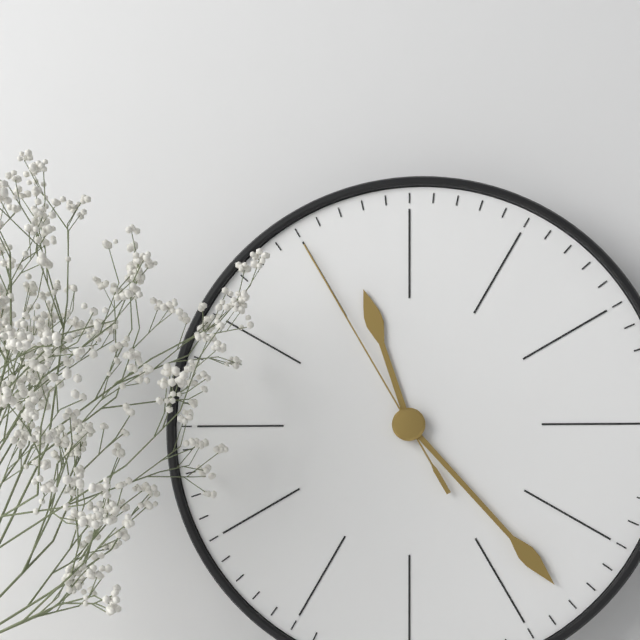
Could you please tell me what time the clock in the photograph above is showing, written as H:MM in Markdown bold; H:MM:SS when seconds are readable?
**11:23:55**
